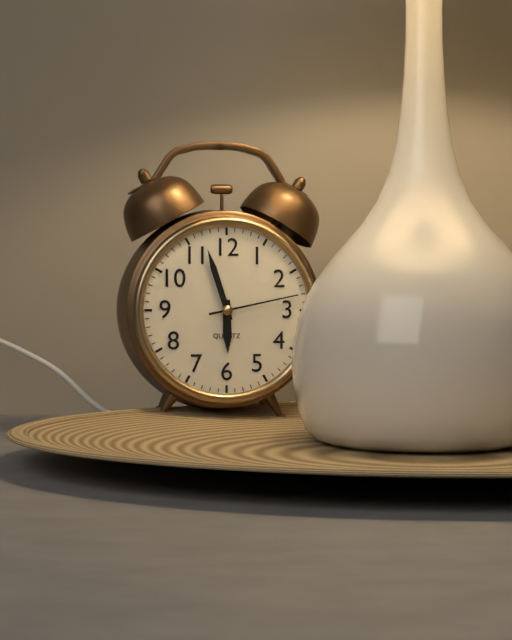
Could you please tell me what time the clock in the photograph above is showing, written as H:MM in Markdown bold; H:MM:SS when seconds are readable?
**5:57:13**
